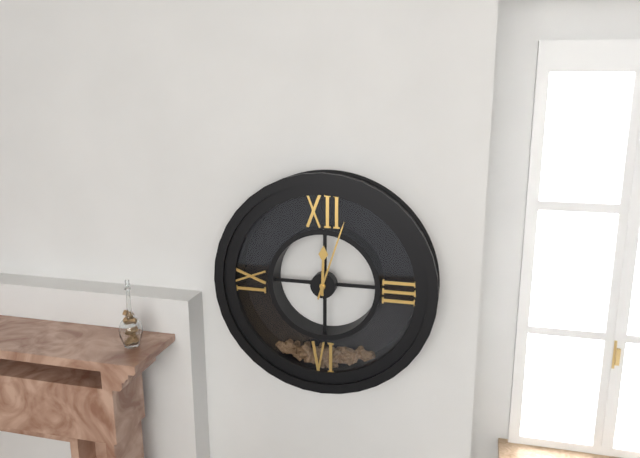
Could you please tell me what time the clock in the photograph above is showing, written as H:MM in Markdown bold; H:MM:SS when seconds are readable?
**12:03**
